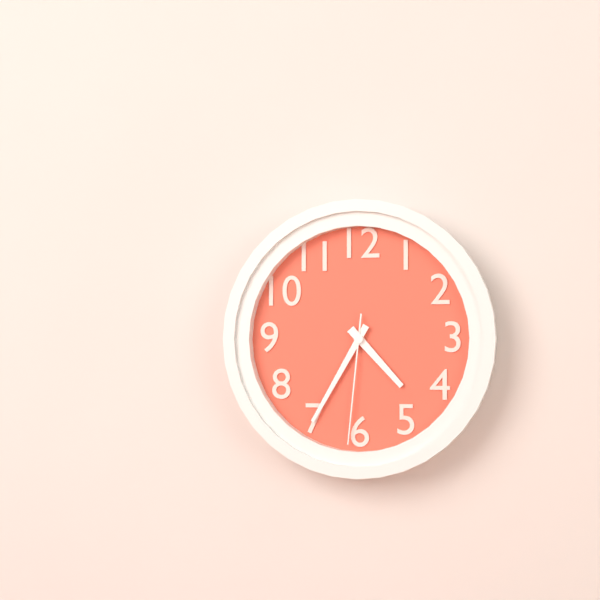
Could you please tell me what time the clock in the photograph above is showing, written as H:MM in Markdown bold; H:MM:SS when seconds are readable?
**4:35:31**
